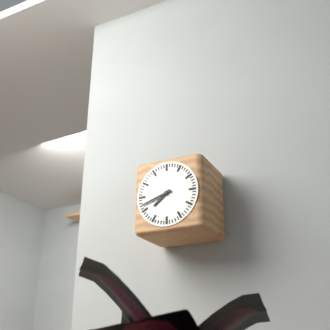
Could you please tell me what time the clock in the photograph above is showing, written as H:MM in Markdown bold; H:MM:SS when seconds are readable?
**7:42**
